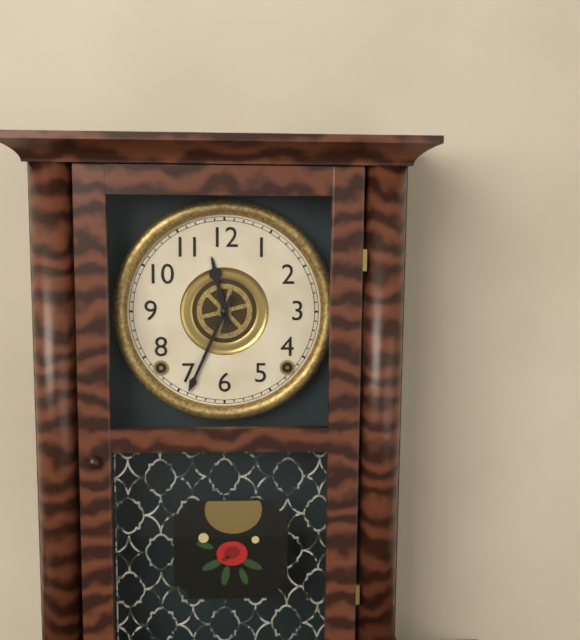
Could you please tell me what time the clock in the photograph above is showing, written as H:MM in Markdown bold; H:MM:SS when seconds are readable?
**11:34**
